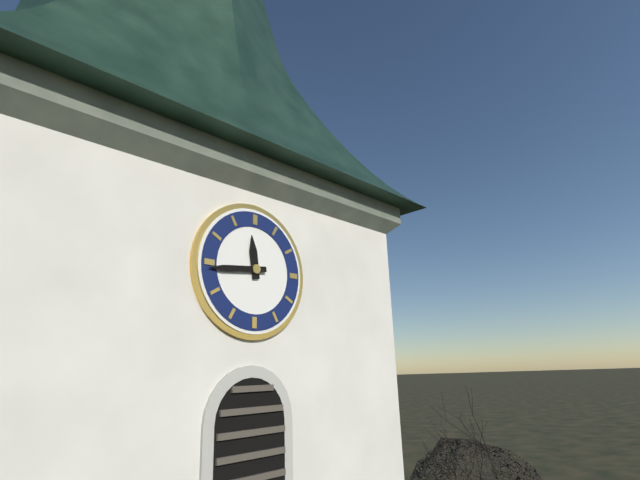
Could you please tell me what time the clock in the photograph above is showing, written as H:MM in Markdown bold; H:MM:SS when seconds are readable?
**11:44**
